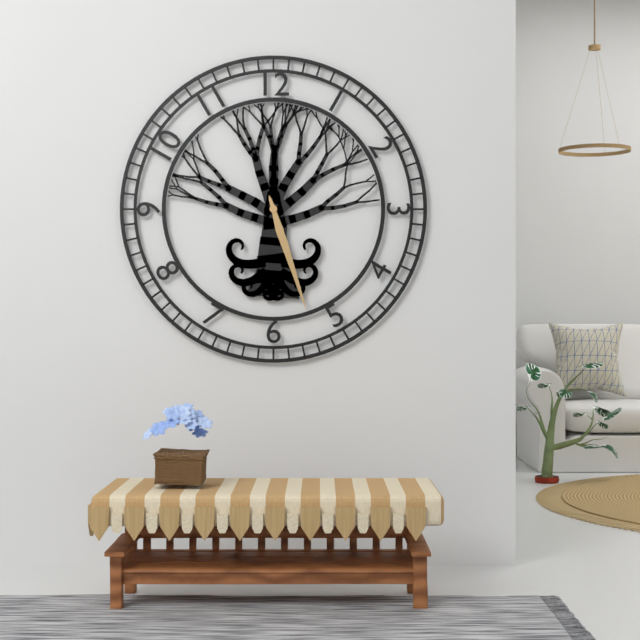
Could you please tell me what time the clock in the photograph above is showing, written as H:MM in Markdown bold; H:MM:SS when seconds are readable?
**5:27**
